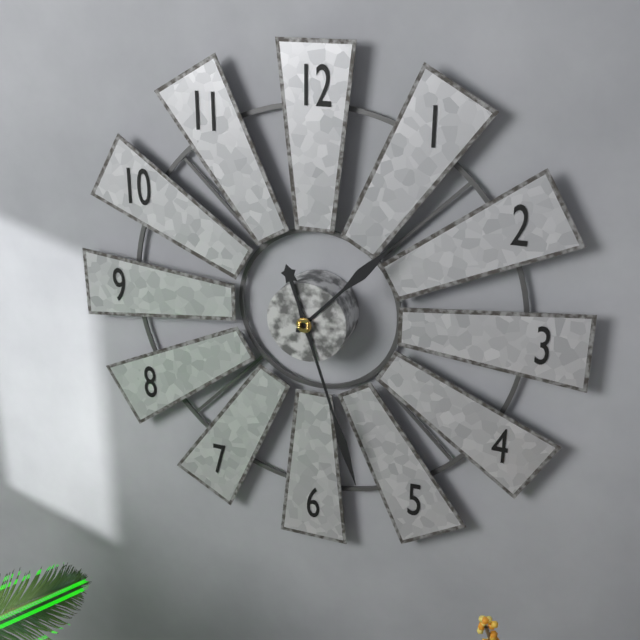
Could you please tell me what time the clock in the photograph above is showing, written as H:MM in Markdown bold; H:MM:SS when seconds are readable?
**1:27**
